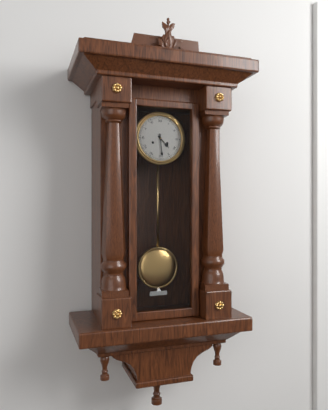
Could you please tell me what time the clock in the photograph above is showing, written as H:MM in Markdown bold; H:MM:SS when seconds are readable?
**4:29**
